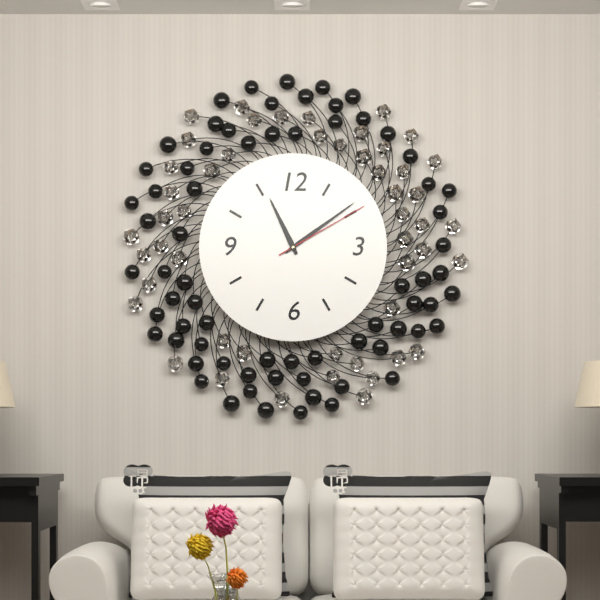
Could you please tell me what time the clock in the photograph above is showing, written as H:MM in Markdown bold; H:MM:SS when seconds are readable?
**11:09:10**
